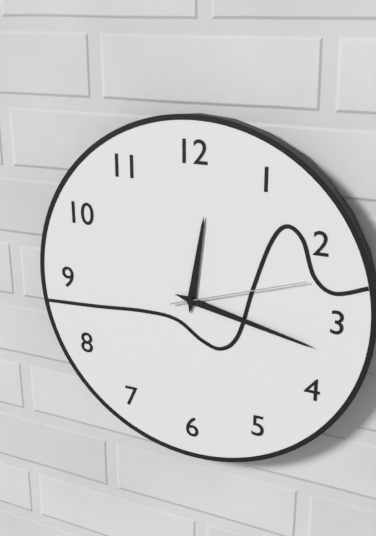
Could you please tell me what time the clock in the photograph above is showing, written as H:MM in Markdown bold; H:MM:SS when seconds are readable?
**12:17:12**
